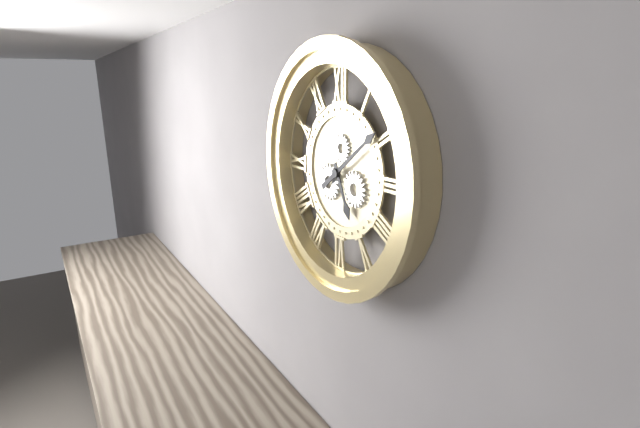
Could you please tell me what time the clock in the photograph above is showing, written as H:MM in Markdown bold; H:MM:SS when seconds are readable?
**5:09**
